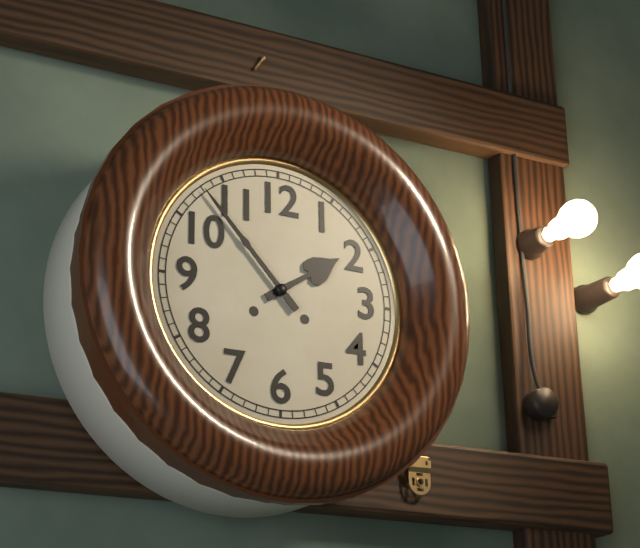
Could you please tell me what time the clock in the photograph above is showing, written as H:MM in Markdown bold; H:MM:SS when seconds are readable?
**1:53**
